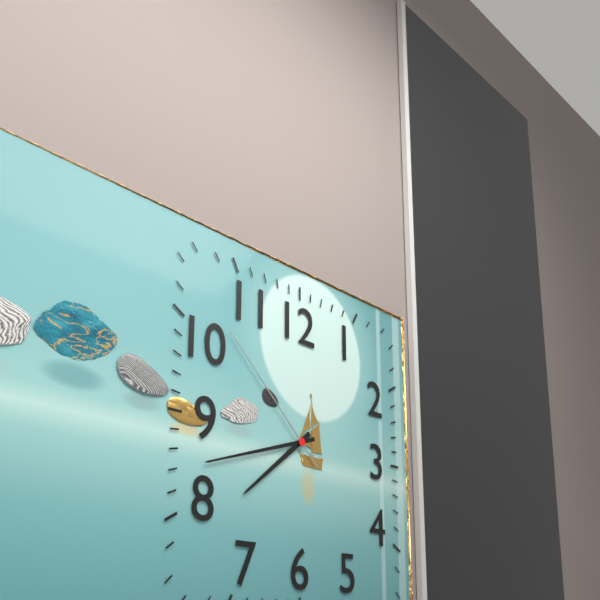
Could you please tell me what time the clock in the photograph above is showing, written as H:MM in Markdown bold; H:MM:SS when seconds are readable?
**7:42:52**
